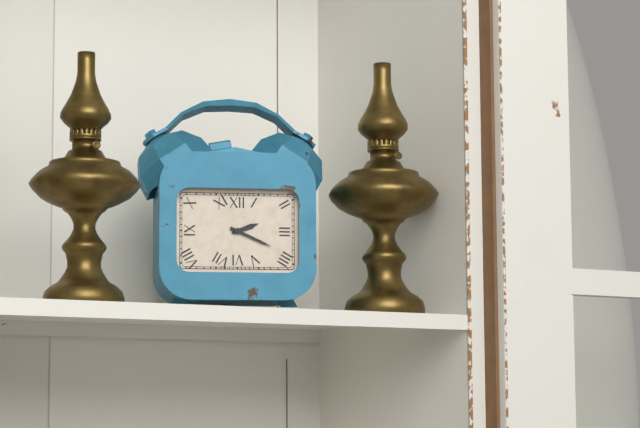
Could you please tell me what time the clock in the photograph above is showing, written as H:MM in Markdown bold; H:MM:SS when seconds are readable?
**2:19**
